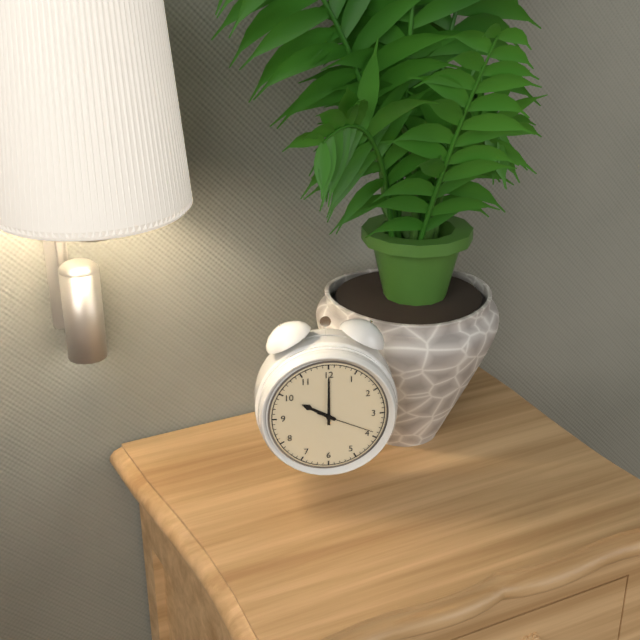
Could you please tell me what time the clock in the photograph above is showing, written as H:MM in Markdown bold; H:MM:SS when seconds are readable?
**10:00:19**
